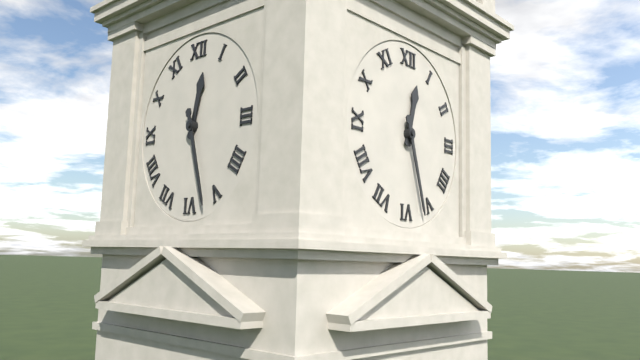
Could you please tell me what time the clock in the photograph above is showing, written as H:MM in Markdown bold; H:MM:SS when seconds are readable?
**12:27**
